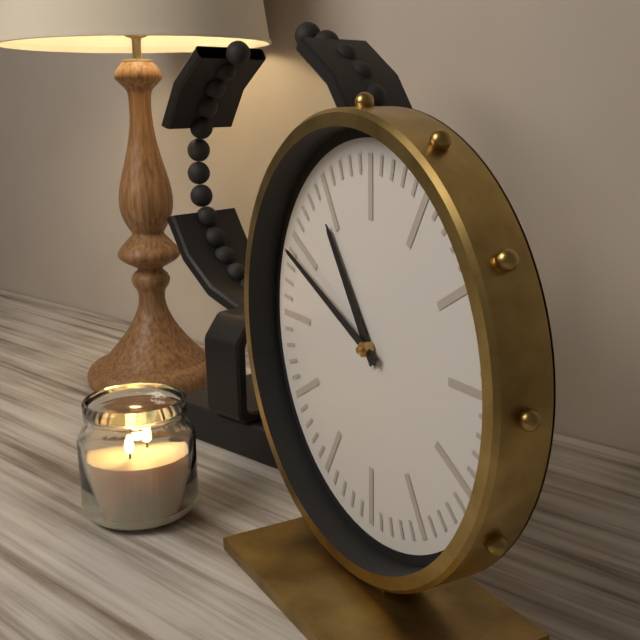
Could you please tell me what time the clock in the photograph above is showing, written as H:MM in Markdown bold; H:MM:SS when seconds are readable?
**10:49**
